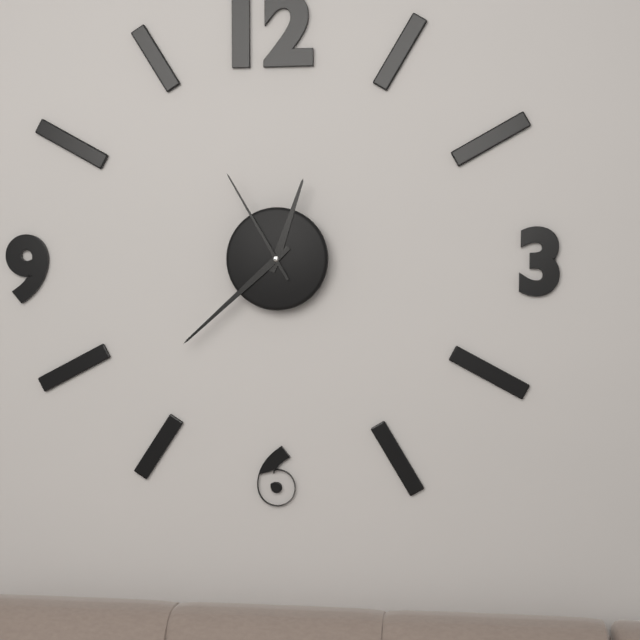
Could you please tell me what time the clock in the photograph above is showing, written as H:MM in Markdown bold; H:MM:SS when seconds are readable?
**12:38:55**
